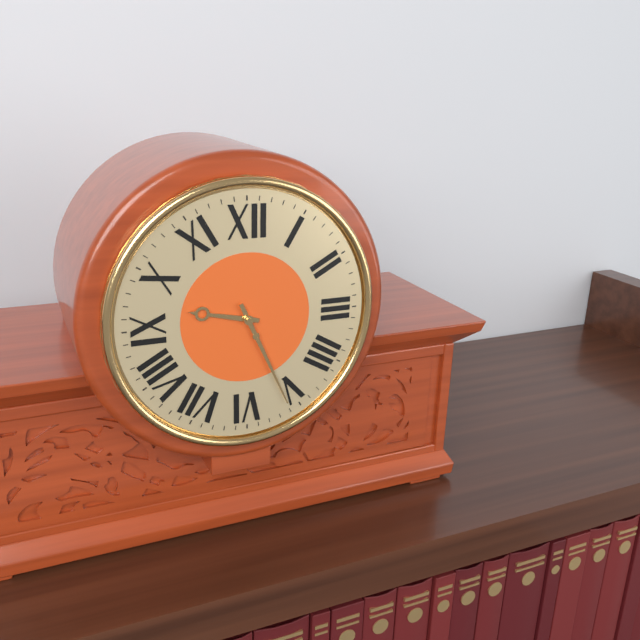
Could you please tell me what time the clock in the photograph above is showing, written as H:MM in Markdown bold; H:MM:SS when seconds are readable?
**9:26**
